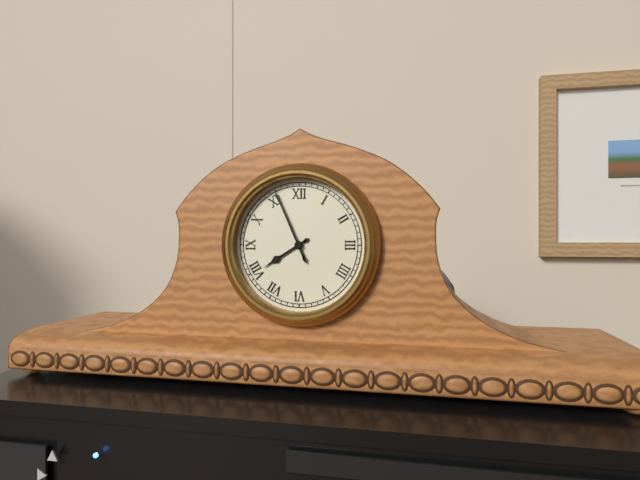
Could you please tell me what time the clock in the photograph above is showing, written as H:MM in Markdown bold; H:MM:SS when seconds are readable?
**7:56**
